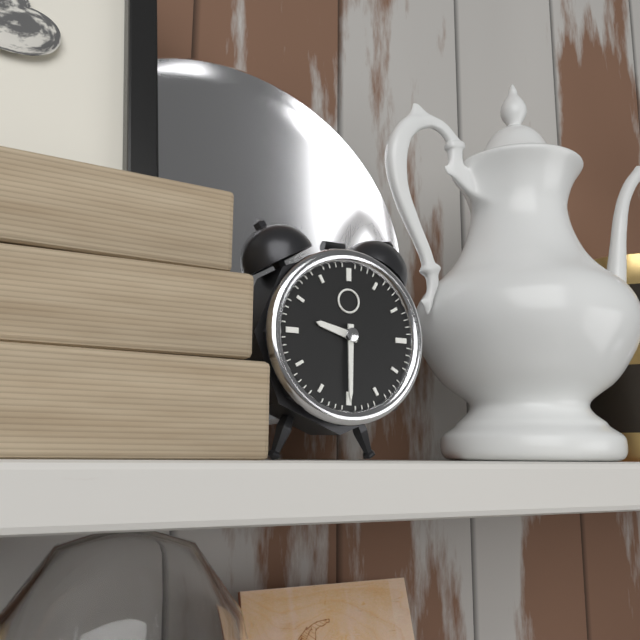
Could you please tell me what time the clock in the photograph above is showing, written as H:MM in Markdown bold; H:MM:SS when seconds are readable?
**9:30**
